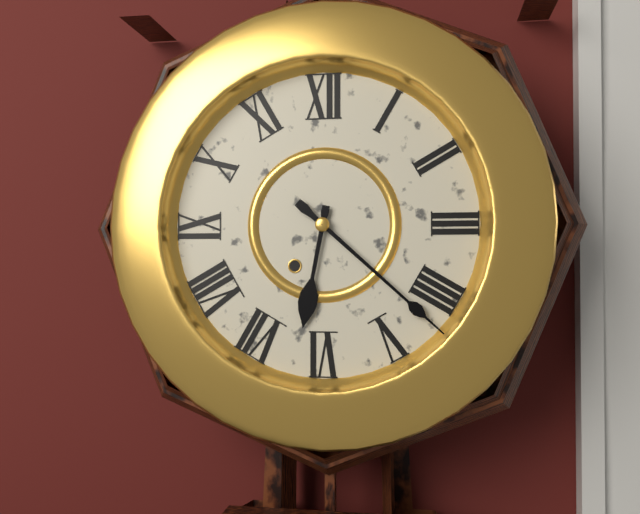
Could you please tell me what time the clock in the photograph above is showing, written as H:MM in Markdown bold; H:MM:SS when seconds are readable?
**6:22**
